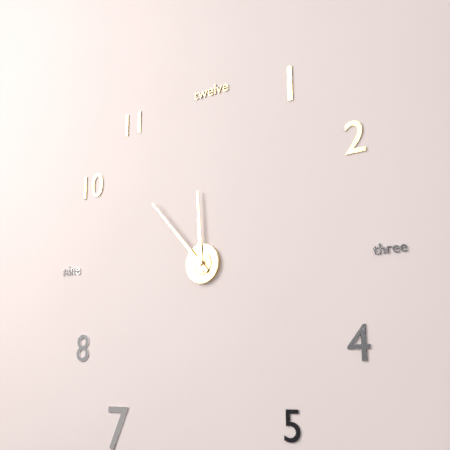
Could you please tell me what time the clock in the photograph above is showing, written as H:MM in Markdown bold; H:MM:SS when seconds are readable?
**11:53**
